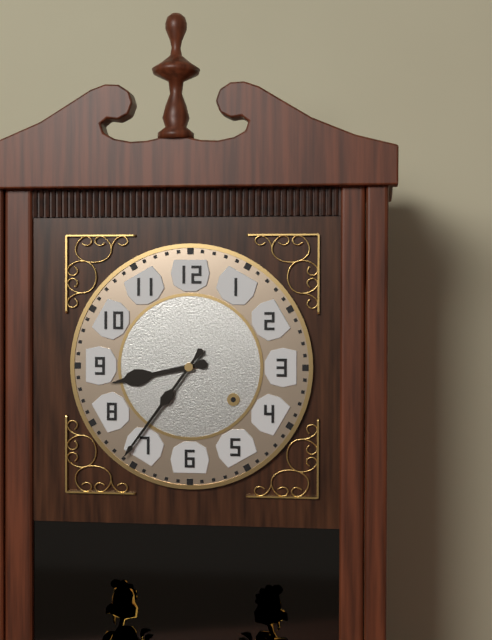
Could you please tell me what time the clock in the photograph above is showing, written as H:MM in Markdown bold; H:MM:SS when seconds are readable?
**8:36**
